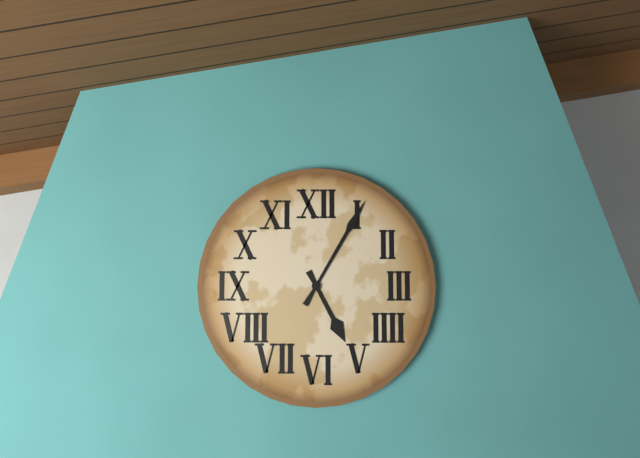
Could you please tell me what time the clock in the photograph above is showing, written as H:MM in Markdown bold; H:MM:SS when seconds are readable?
**5:05**
